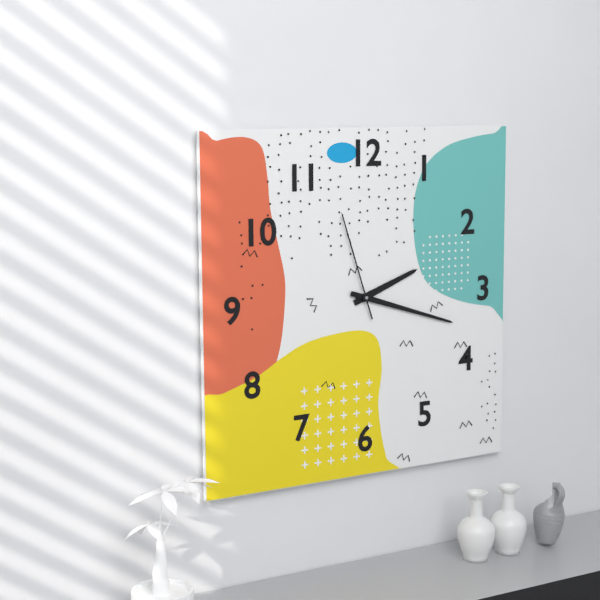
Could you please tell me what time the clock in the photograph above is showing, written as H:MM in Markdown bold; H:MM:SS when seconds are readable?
**2:18:57**
